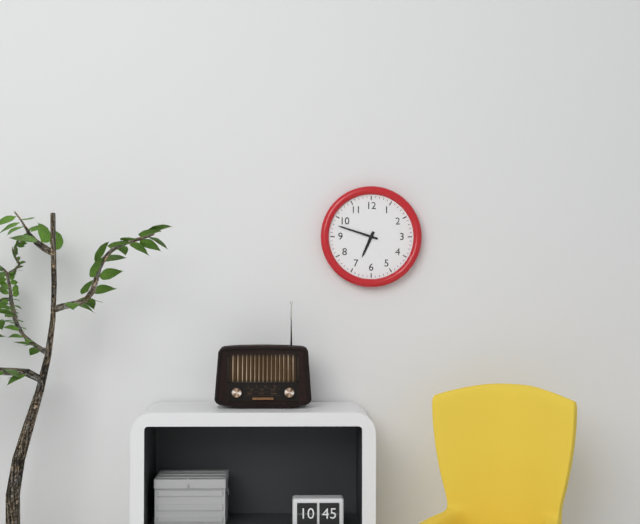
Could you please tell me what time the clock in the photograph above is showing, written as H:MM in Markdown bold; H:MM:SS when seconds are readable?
**6:48**
